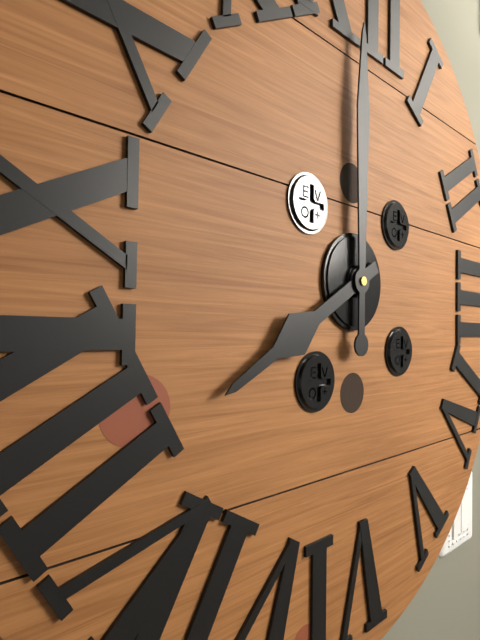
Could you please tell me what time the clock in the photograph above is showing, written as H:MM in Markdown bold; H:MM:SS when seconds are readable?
**8:00**
